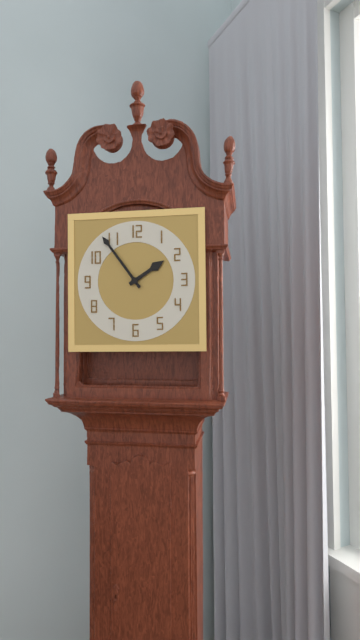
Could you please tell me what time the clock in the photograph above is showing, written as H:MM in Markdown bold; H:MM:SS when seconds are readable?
**1:54**
